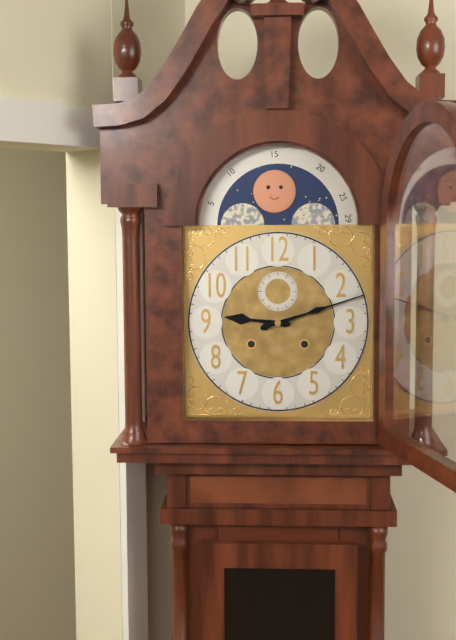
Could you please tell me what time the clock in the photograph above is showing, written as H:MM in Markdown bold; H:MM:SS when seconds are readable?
**9:12**
